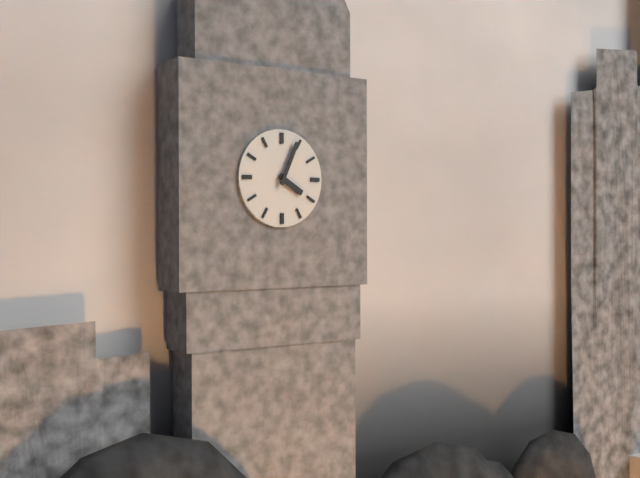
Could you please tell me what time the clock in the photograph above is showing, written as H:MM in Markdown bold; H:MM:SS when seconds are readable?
**4:04**
